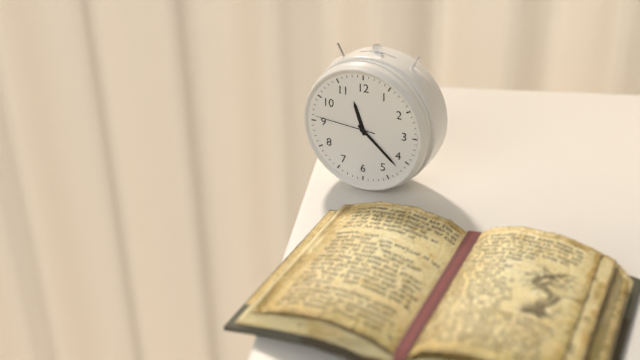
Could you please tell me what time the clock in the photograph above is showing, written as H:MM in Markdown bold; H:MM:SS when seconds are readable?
**11:22:46**
